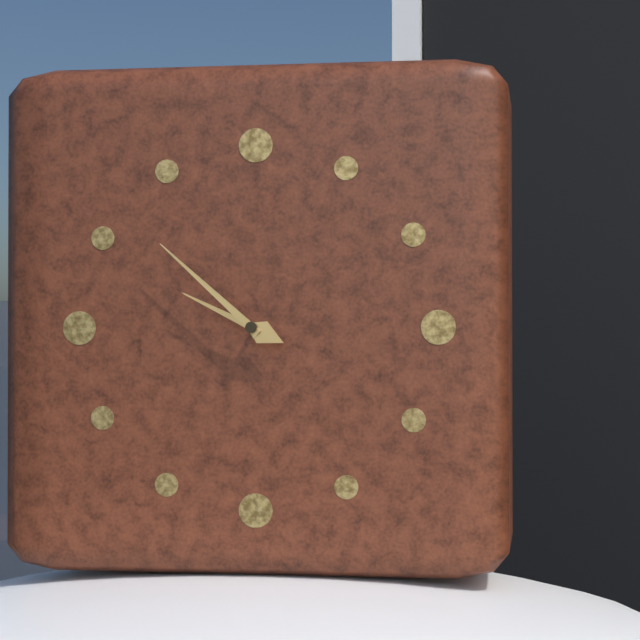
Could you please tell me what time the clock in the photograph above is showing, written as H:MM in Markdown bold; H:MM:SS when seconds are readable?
**9:52**
